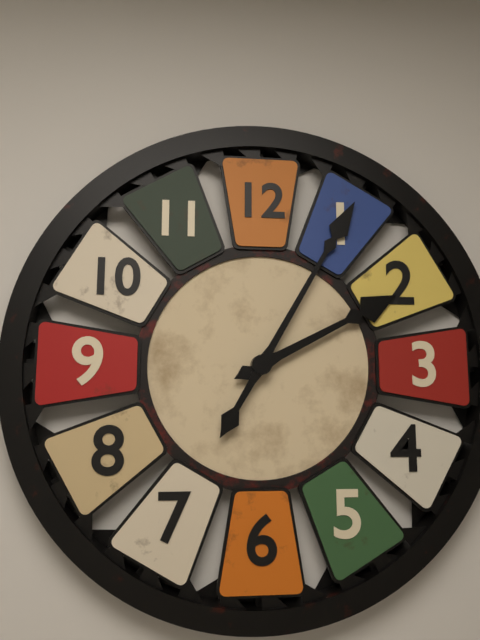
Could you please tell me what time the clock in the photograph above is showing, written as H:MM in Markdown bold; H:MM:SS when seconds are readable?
**2:05**
